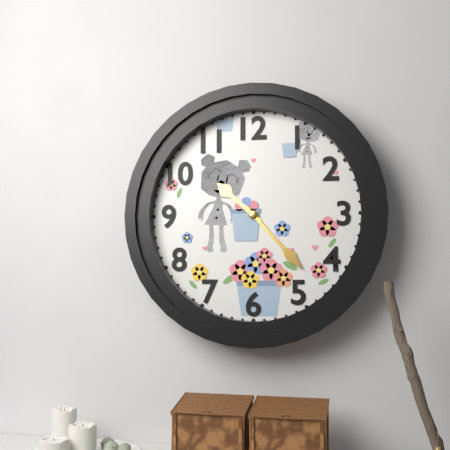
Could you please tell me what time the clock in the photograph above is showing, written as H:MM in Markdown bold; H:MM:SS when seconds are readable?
**10:23**
